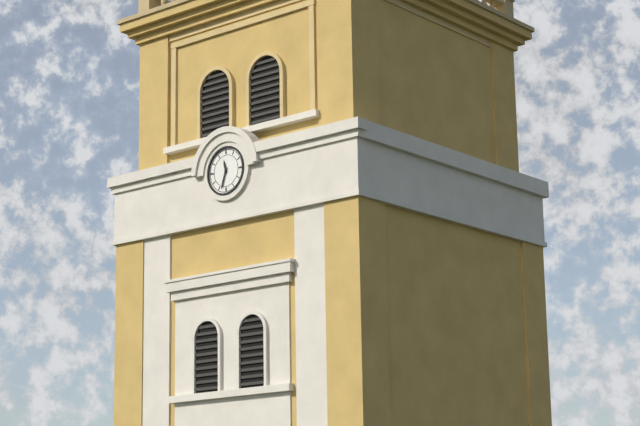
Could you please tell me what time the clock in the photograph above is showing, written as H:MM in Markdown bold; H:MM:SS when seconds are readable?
**11:33**
